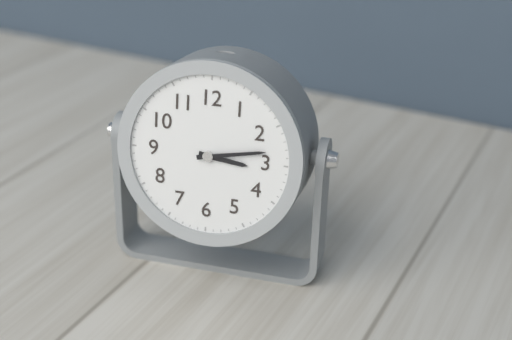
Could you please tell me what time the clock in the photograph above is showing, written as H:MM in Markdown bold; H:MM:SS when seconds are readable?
**3:13**
